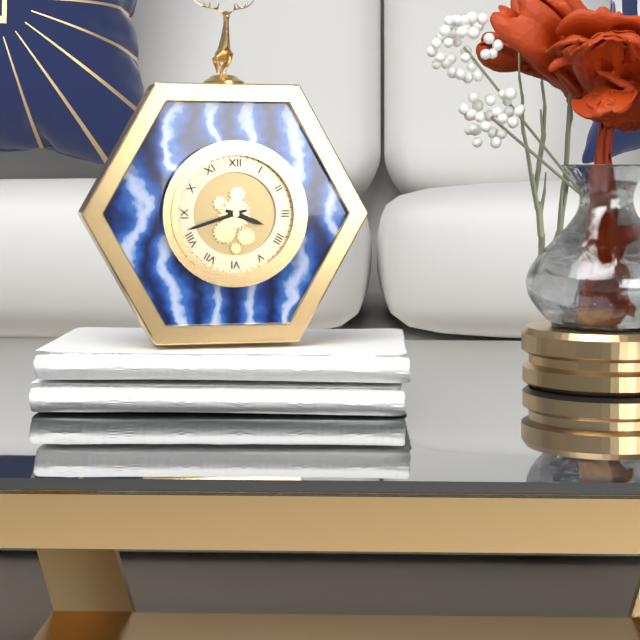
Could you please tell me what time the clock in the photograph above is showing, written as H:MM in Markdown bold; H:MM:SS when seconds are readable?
**3:42**
